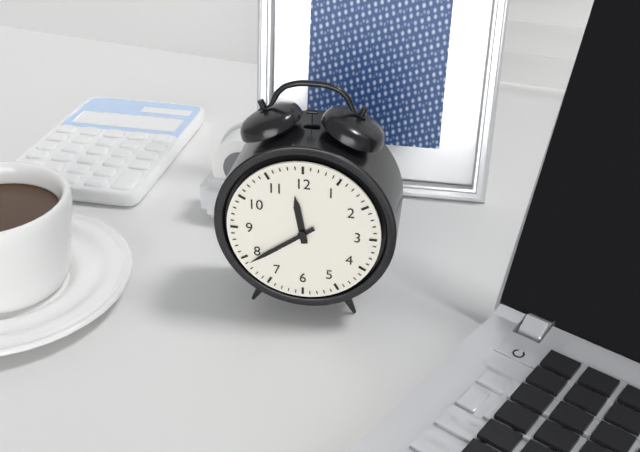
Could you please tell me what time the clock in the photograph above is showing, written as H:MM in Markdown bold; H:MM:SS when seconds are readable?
**11:39**
